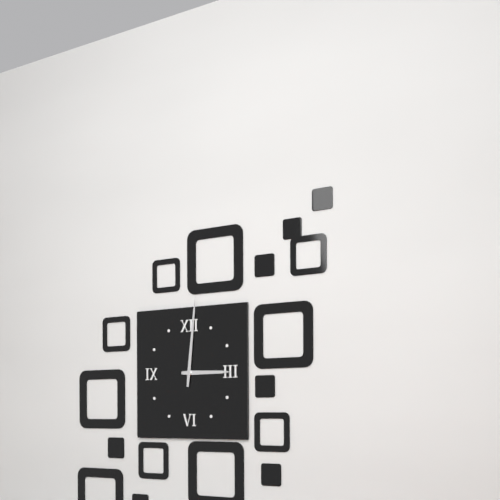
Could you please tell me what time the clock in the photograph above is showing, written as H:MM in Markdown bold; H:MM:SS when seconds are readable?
**3:01**
